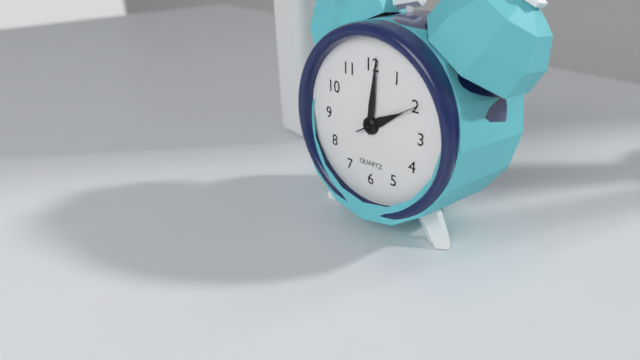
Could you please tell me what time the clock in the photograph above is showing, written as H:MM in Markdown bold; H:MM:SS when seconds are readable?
**2:01:10**
